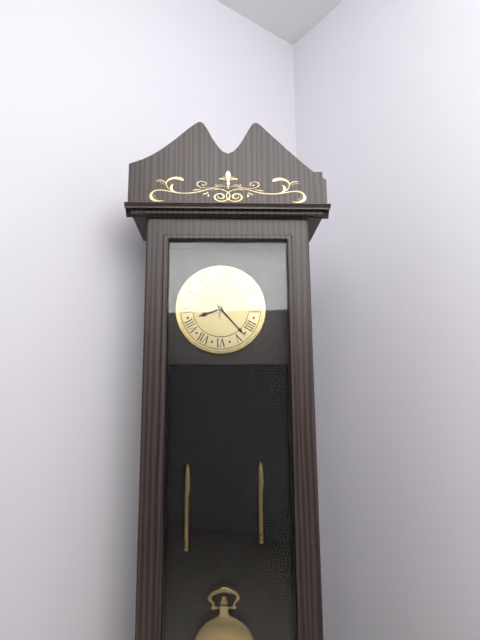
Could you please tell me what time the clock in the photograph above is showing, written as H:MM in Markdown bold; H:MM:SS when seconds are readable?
**8:23**
